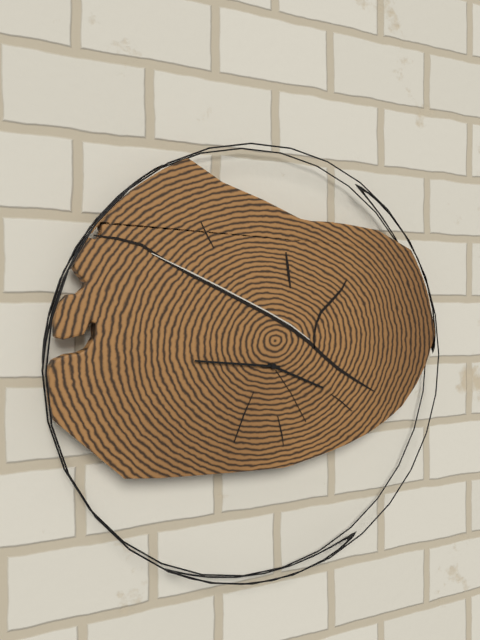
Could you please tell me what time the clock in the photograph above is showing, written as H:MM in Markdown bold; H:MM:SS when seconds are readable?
**3:46**
